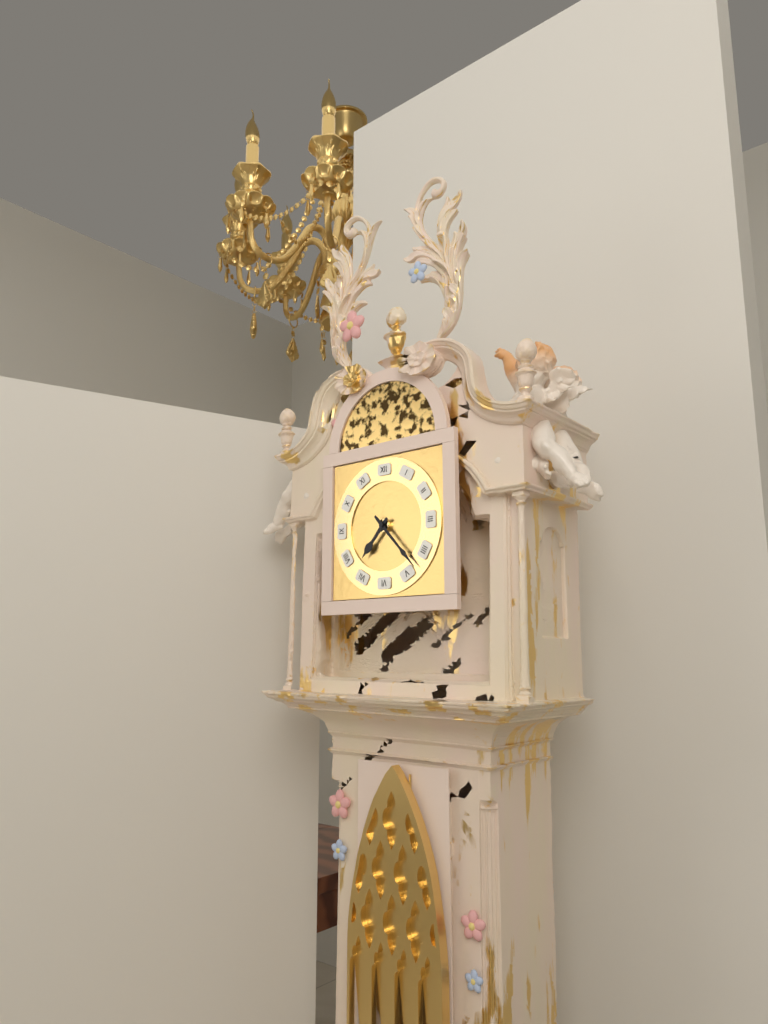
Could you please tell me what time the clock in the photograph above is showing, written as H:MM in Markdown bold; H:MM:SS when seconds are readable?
**7:23**
